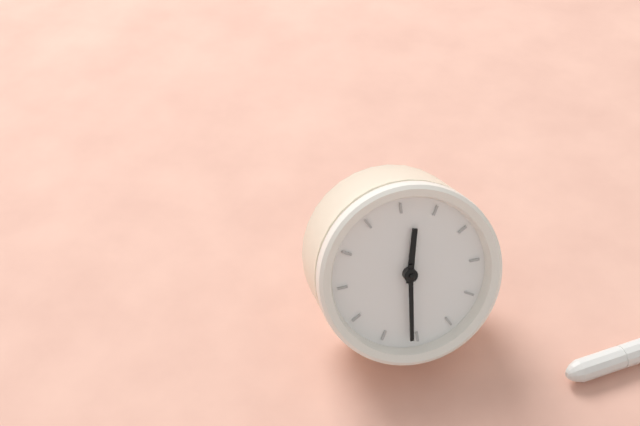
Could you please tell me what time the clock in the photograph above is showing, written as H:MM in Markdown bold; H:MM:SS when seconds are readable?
**11:26**
